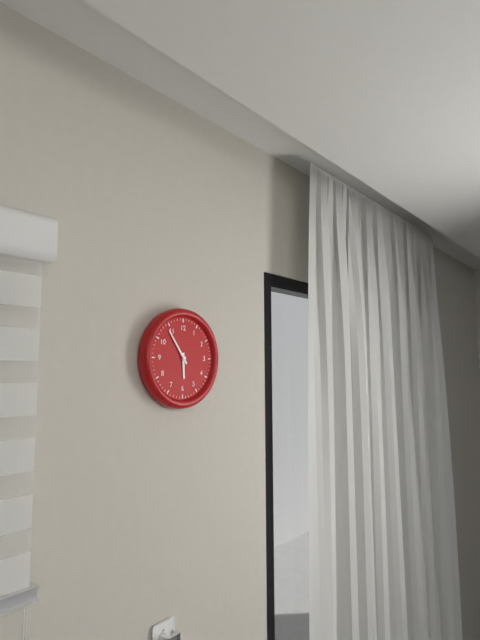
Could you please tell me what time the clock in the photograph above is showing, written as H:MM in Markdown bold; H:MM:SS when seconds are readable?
**5:54**
